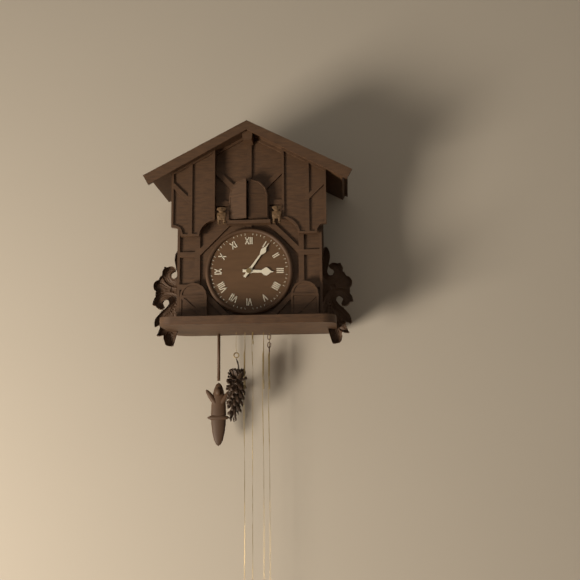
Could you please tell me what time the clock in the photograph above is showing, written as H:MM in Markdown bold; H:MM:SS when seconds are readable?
**3:06**
